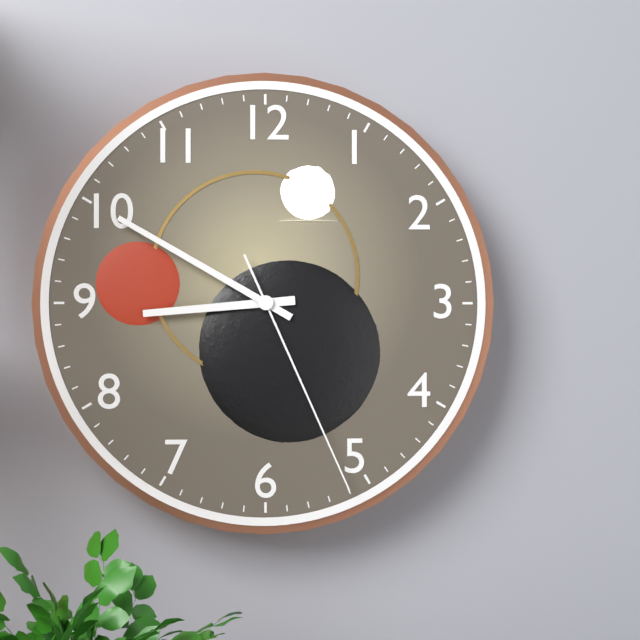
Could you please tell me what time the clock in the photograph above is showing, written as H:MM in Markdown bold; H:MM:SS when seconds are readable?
**8:50:26**
